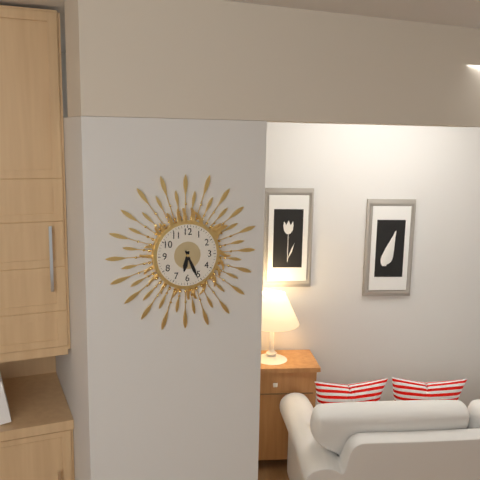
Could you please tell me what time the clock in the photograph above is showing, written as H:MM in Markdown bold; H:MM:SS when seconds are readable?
**6:26**
